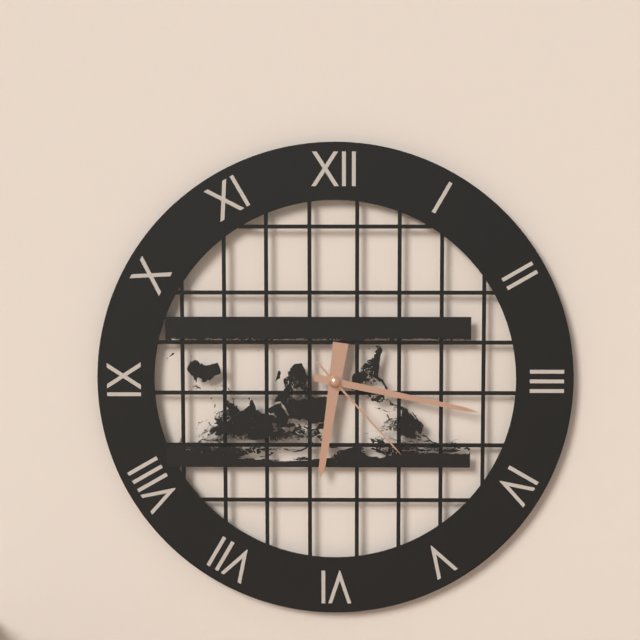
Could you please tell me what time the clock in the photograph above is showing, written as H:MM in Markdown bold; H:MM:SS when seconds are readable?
**6:17:23**
